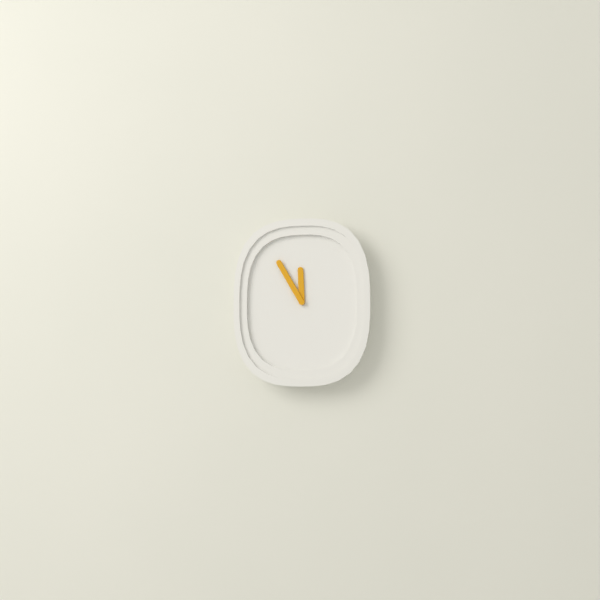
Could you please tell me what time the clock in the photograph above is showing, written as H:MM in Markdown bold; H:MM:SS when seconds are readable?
**11:55**
